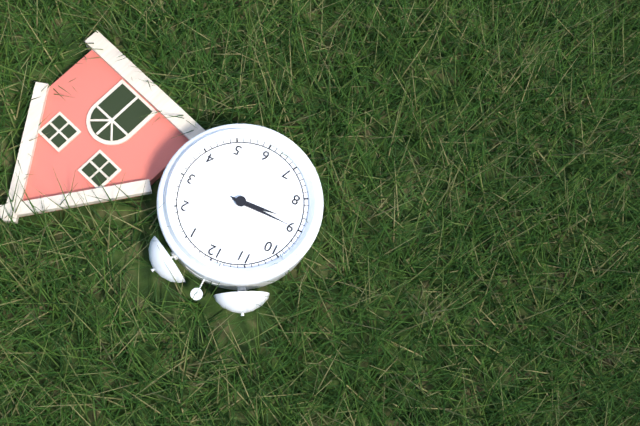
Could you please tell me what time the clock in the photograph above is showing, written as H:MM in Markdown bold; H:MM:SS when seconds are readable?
**8:45**
